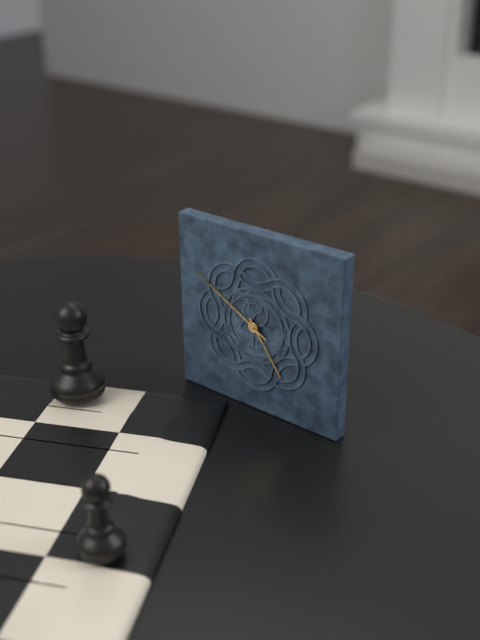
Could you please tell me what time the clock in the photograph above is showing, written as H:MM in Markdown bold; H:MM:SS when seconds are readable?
**4:50**
